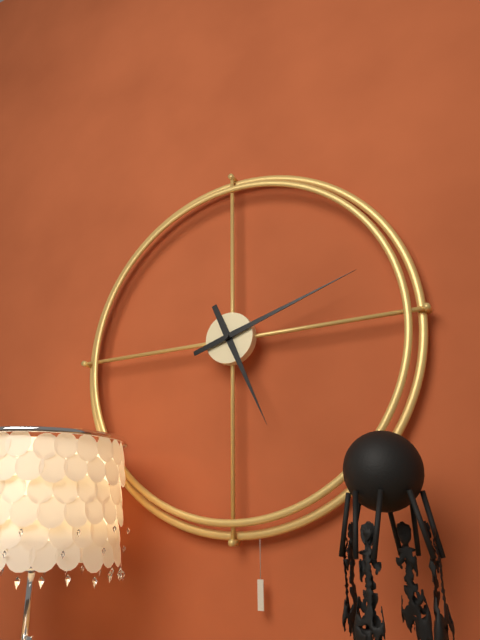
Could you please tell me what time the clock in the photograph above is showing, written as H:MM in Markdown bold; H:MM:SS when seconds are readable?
**5:12**
